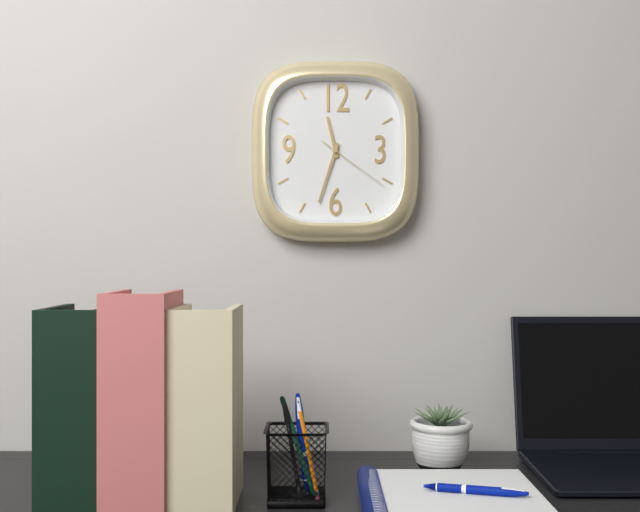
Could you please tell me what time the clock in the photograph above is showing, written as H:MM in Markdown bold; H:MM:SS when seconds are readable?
**11:33:21**
